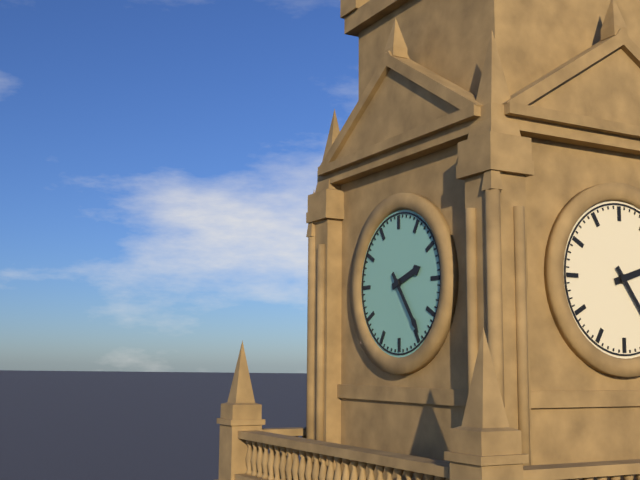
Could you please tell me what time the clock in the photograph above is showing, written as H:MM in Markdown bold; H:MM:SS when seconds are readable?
**2:24**
